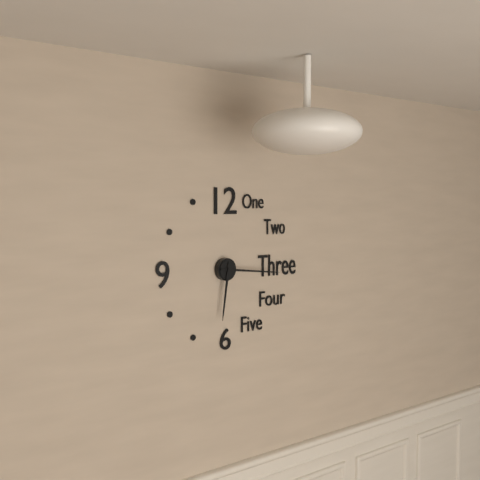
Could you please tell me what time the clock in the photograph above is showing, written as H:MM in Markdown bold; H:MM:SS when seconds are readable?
**6:16**
